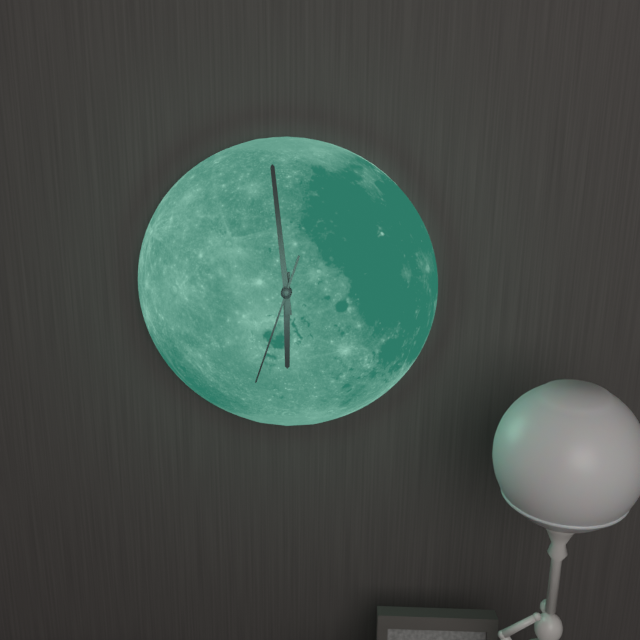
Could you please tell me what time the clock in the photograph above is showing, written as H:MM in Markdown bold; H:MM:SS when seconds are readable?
**5:59:33**
